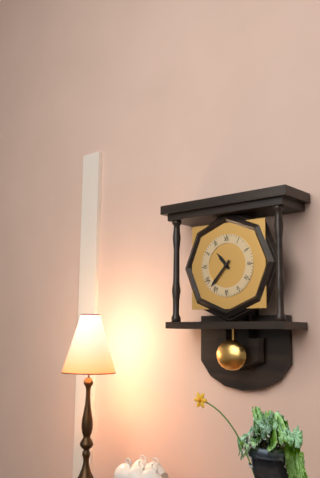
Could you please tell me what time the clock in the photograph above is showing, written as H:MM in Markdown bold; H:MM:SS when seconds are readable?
**10:37**
